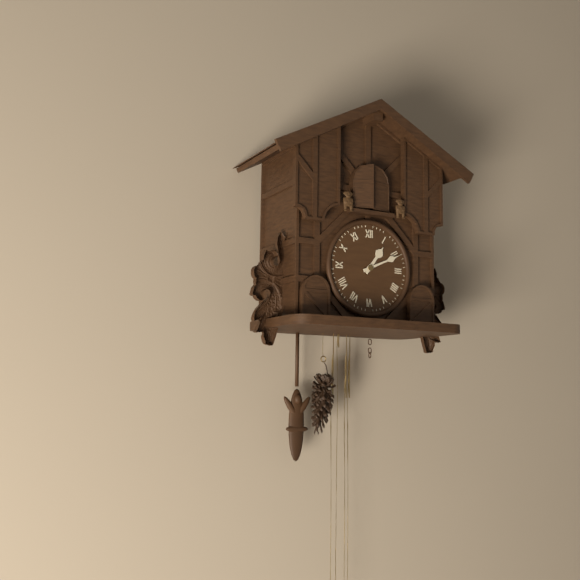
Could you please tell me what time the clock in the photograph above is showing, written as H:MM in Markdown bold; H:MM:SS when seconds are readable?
**1:11**
